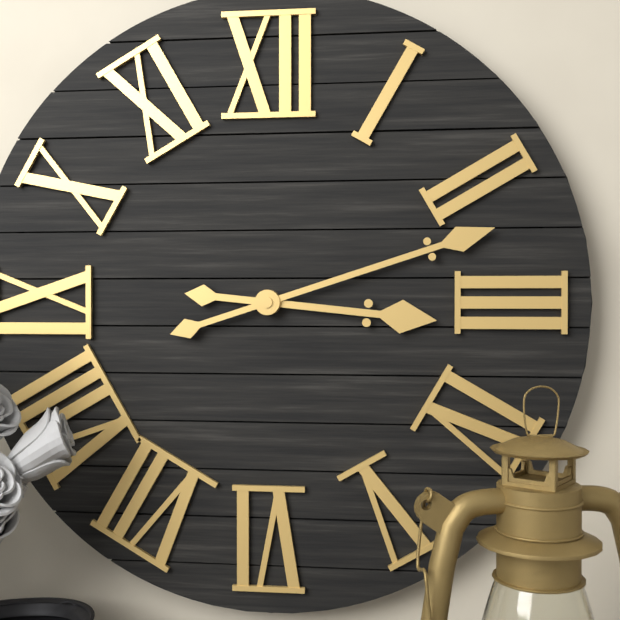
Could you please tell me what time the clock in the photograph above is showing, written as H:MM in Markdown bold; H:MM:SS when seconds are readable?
**3:12**
